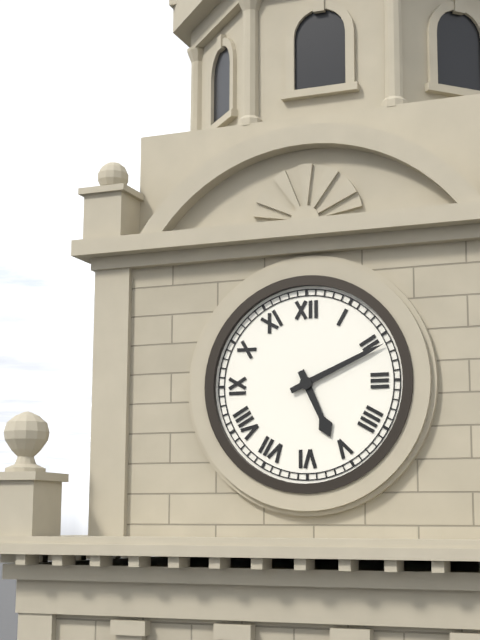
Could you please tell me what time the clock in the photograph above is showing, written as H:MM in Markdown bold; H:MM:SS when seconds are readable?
**5:11**
